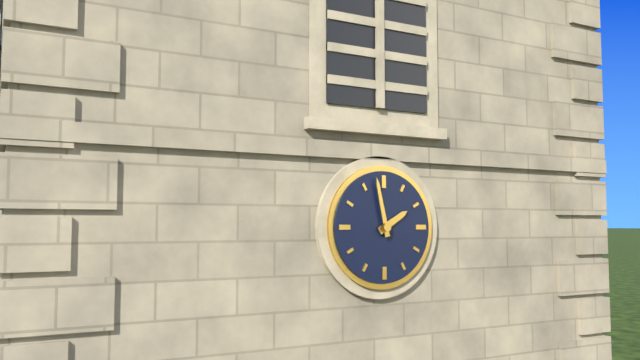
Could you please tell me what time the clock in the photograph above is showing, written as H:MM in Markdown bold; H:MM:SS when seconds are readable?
**1:58**
